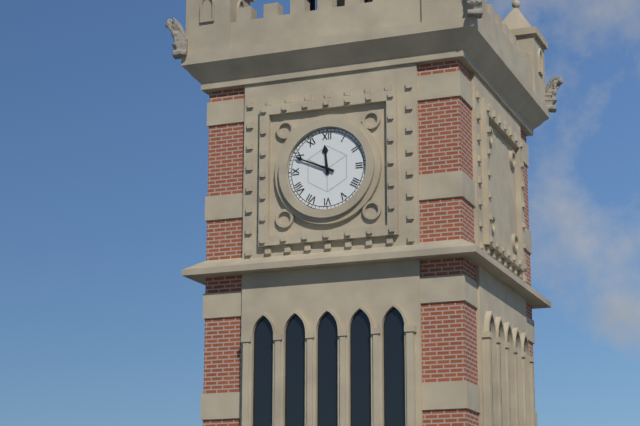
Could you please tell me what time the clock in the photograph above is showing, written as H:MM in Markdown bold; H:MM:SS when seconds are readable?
**11:49**
